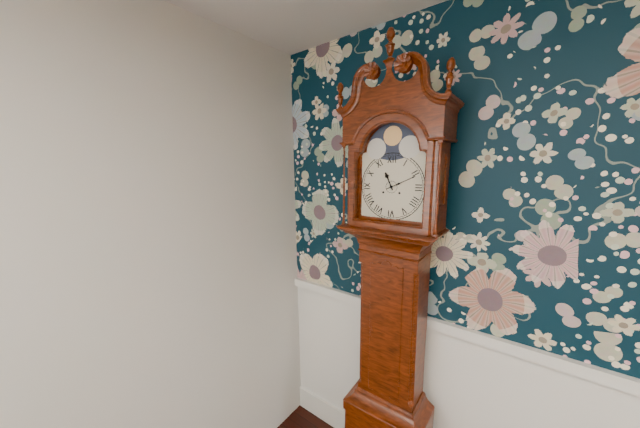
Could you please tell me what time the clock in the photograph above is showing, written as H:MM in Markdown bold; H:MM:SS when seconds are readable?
**11:11**
